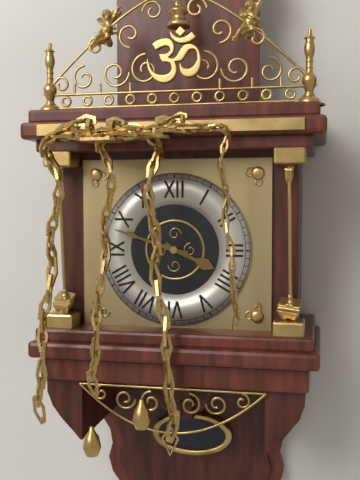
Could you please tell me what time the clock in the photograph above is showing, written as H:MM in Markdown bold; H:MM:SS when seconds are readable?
**3:48**
